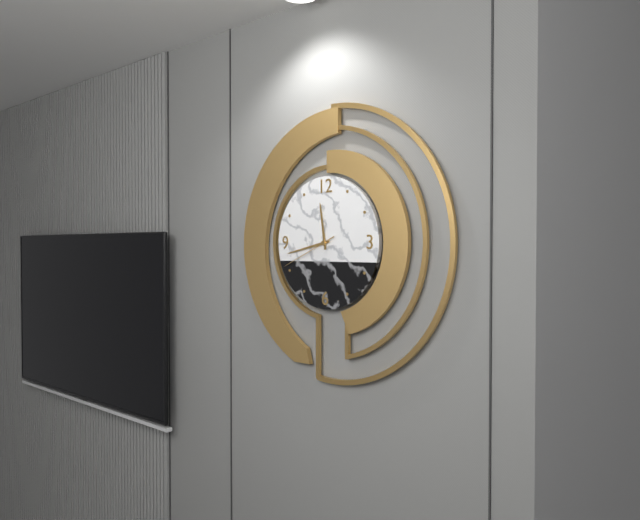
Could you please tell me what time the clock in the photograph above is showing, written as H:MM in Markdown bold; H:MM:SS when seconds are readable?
**11:43:41**
